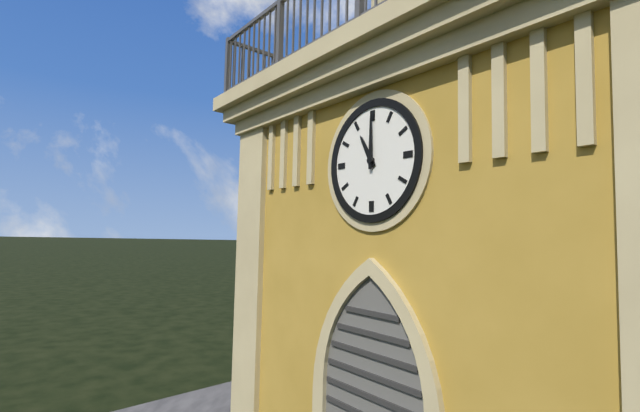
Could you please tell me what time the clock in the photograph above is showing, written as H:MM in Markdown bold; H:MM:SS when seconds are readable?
**11:00**
